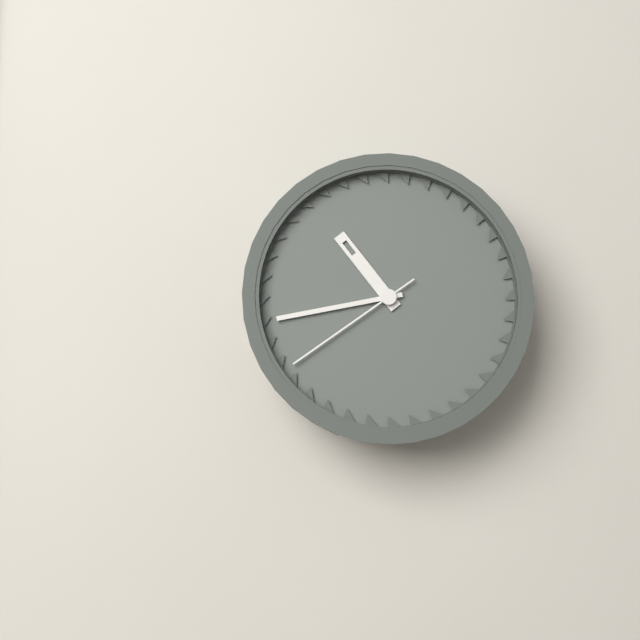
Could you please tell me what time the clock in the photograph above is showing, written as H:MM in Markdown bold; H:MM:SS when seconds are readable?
**10:43:39**
